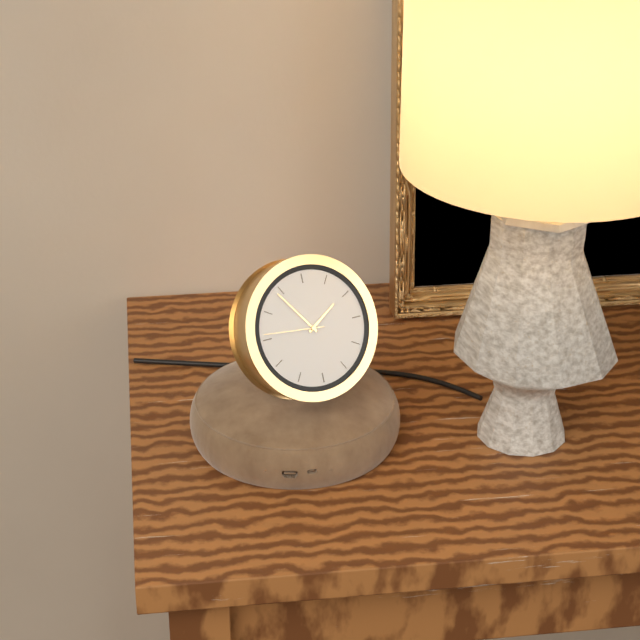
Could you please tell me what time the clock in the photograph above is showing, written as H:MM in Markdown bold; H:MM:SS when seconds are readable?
**1:54:46**
